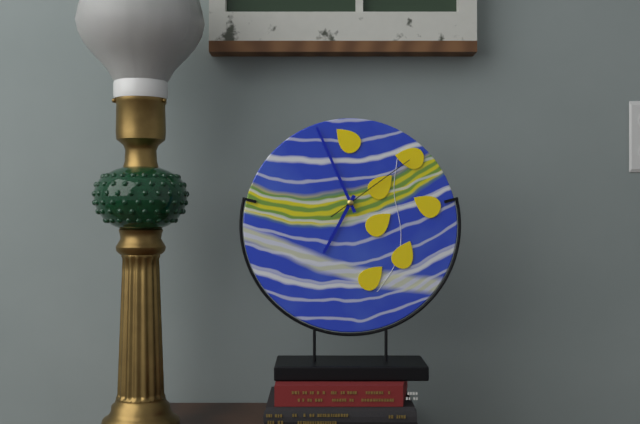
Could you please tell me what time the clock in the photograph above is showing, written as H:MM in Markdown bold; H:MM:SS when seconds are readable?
**6:56:09**
